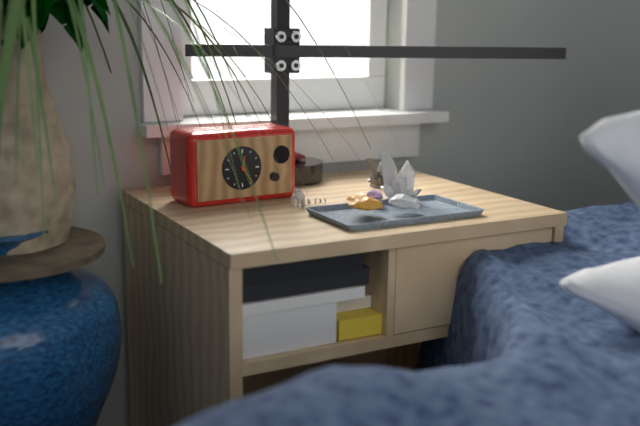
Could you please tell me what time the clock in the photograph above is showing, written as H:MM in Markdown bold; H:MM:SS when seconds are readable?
**12:24**
